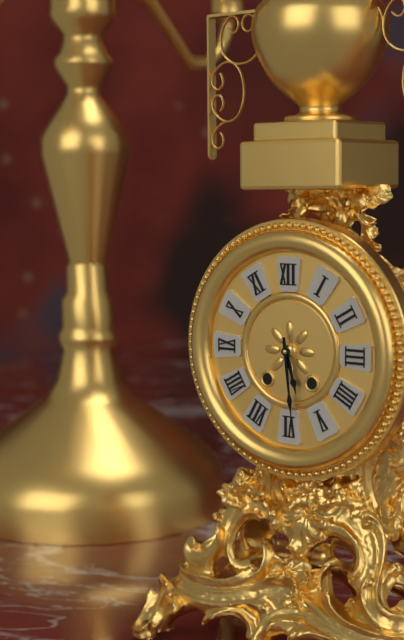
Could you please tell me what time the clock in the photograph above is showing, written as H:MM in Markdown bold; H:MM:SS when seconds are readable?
**5:29**
